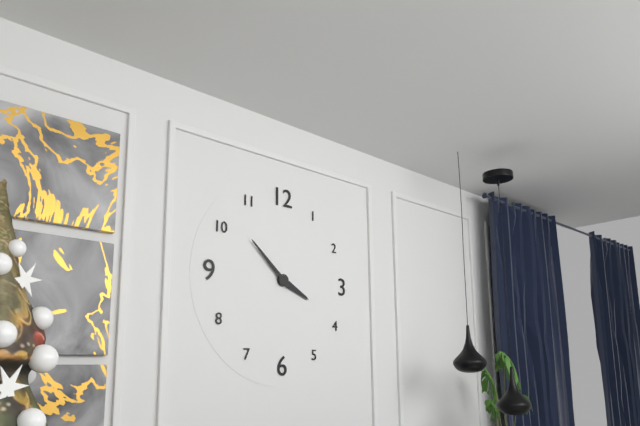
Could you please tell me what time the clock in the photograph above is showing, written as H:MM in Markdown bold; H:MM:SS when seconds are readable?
**3:52**
